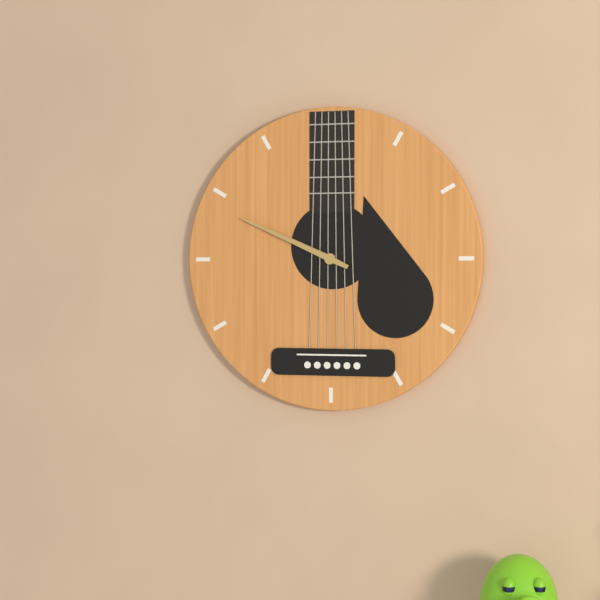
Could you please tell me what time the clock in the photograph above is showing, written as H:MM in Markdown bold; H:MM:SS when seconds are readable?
**9:49**
